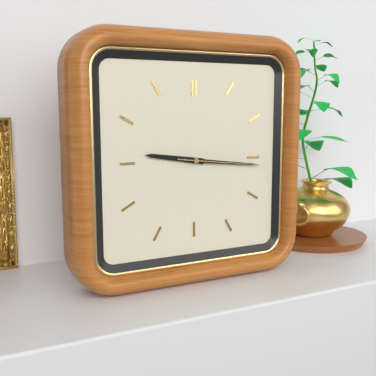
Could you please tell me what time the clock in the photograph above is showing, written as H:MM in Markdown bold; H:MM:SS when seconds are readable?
**9:16:16**
